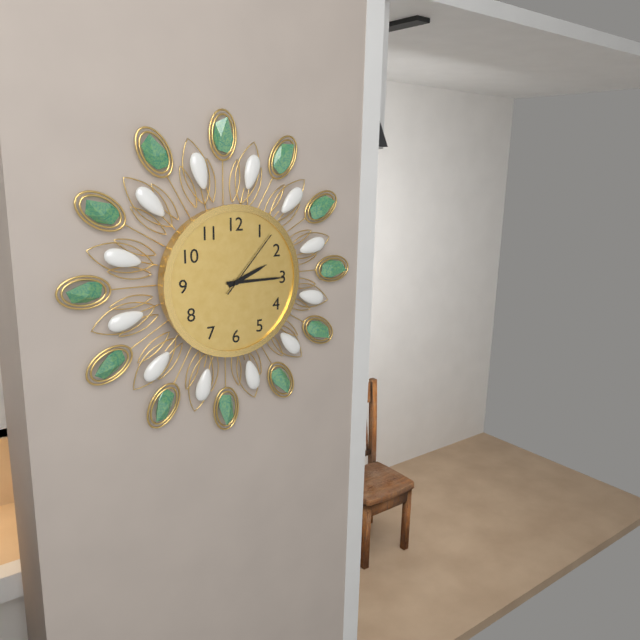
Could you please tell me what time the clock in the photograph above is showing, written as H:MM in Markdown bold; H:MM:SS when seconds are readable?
**2:15:07**
